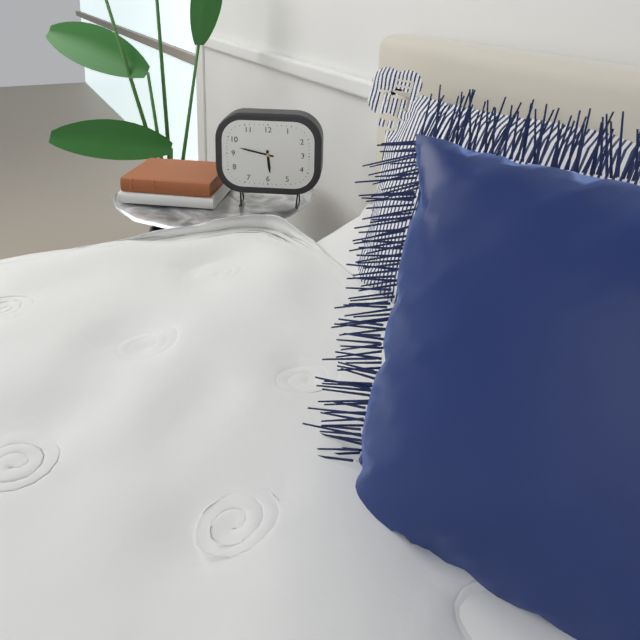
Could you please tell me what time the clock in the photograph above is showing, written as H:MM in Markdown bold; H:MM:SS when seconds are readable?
**5:47**
